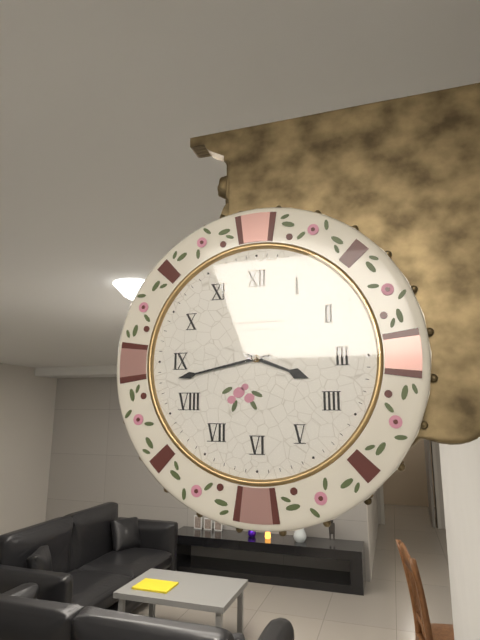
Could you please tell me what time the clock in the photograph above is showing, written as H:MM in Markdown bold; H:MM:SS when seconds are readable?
**3:43**
